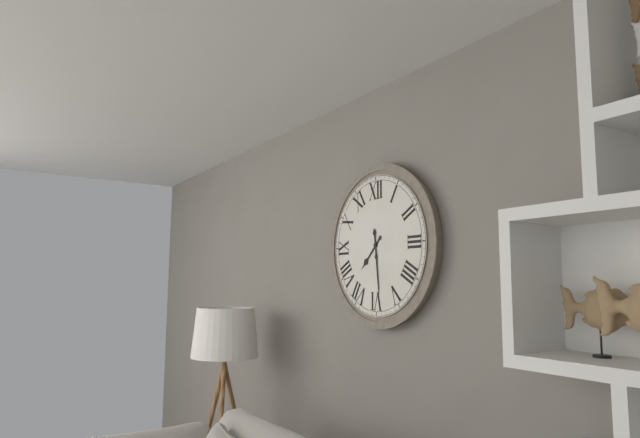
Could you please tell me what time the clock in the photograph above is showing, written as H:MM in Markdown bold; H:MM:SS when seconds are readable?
**7:29**
